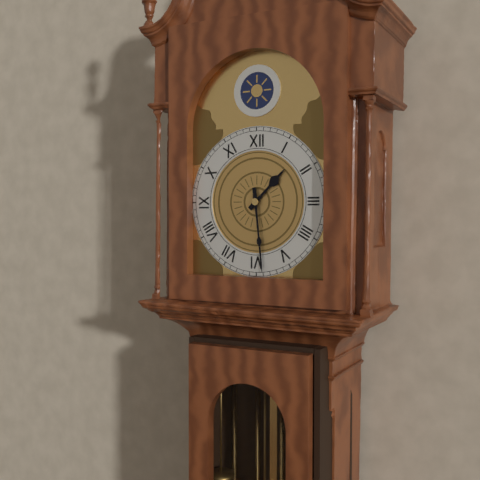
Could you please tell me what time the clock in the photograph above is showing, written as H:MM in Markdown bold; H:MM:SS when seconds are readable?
**1:29**
